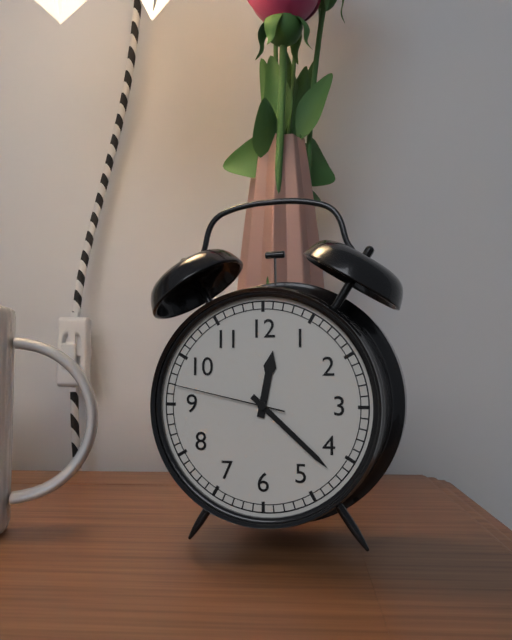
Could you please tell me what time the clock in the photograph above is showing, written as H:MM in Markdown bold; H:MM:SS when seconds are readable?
**12:22:47**
